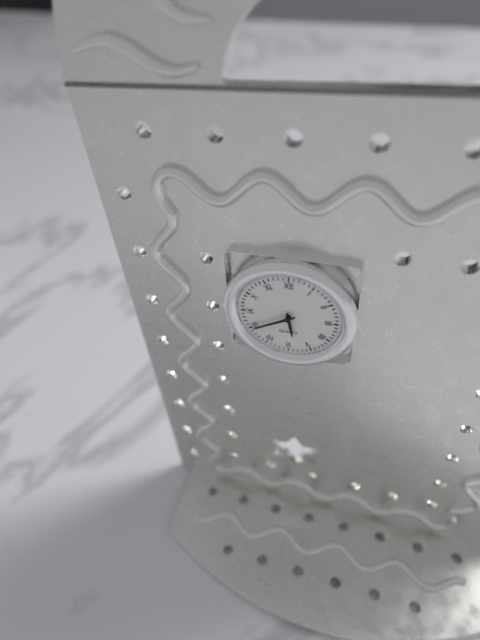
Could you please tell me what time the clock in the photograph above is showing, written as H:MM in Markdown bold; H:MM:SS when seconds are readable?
**5:40**
